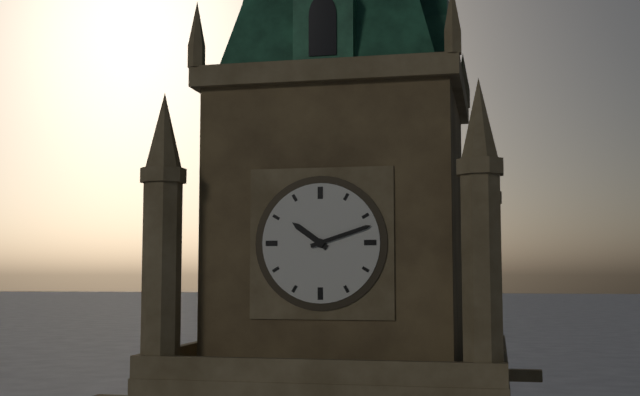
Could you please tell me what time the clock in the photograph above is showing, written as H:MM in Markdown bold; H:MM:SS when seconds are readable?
**10:12**
